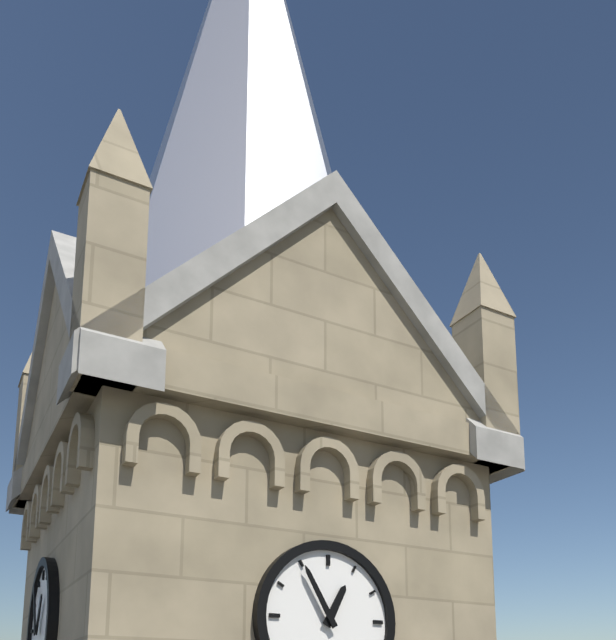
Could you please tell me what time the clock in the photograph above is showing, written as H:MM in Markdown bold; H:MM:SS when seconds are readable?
**12:55**
